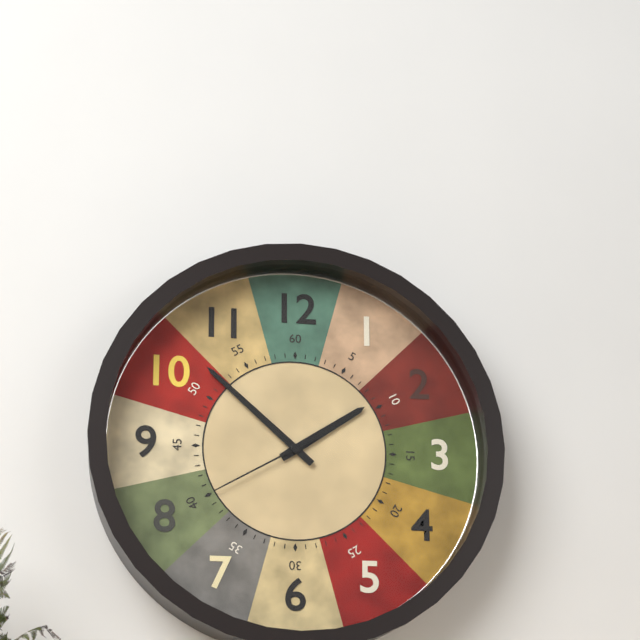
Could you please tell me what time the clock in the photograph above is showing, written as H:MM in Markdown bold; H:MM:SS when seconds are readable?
**1:52:40**
